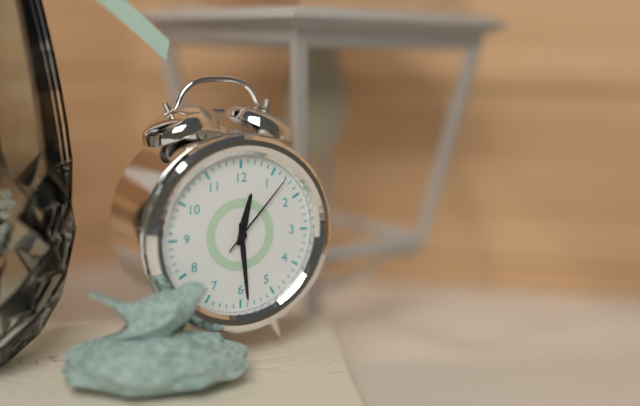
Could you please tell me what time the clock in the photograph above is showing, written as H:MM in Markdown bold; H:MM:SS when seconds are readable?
**12:29:07**
